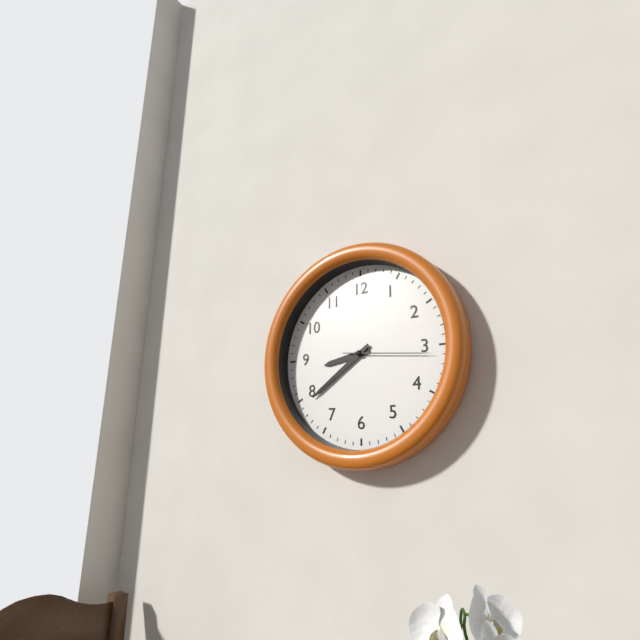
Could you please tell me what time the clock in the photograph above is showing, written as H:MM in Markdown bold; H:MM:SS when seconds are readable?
**8:39:16**
